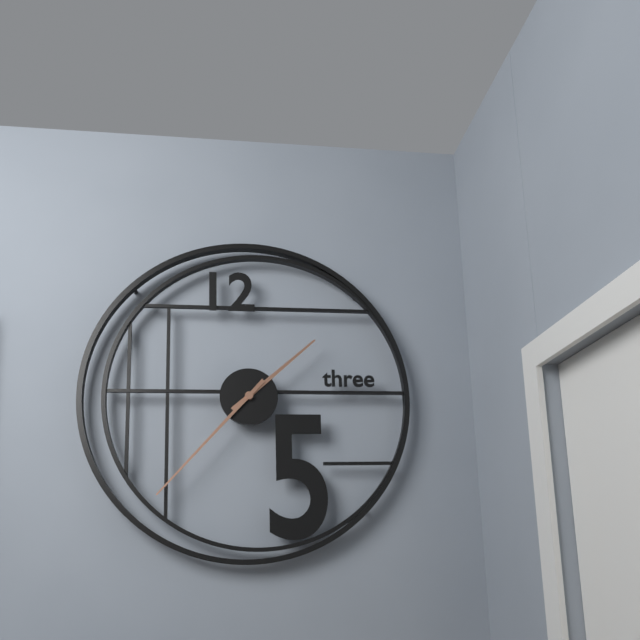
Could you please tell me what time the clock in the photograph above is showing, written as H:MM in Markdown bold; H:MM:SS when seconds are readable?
**1:37**
